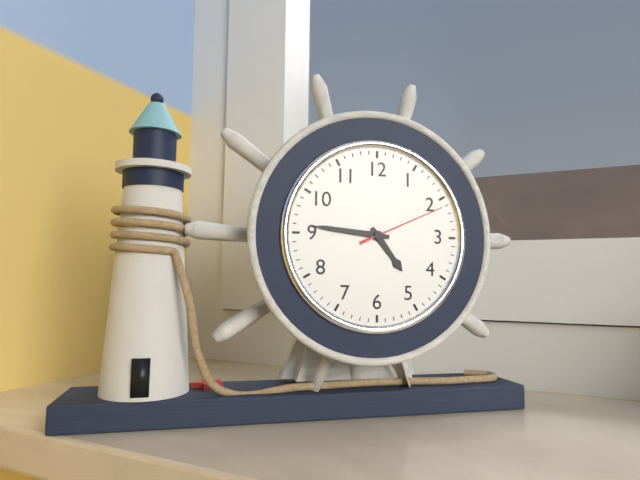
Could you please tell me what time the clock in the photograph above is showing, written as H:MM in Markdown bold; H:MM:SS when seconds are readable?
**4:46:11**
